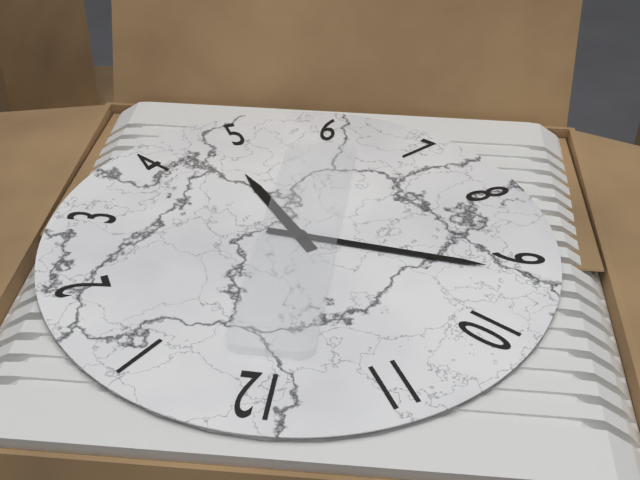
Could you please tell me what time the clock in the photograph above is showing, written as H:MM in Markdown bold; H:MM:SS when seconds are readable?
**4:46**
